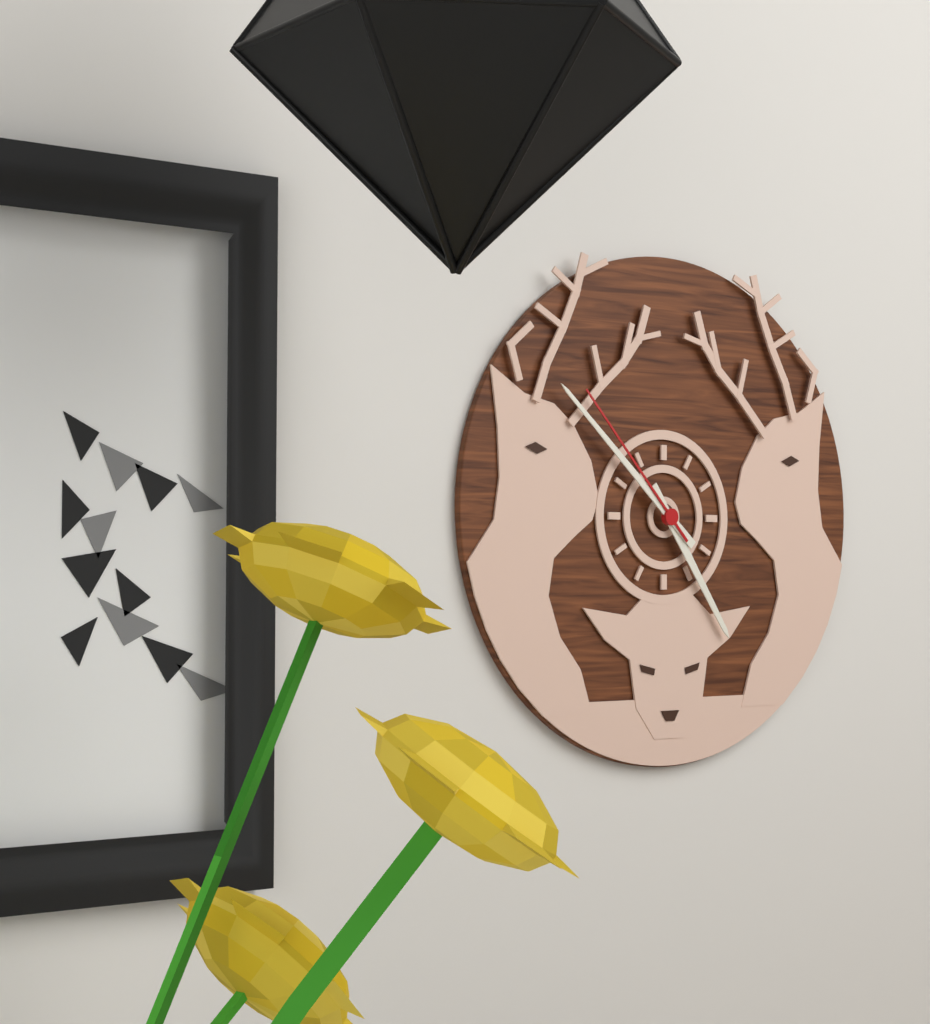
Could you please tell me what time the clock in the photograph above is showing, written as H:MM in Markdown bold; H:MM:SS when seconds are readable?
**4:52:53**
